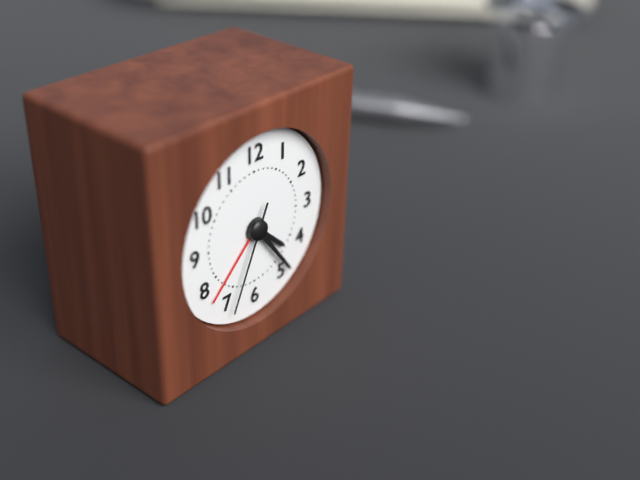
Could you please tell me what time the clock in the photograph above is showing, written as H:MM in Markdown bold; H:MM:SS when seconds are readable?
**4:24:34**
